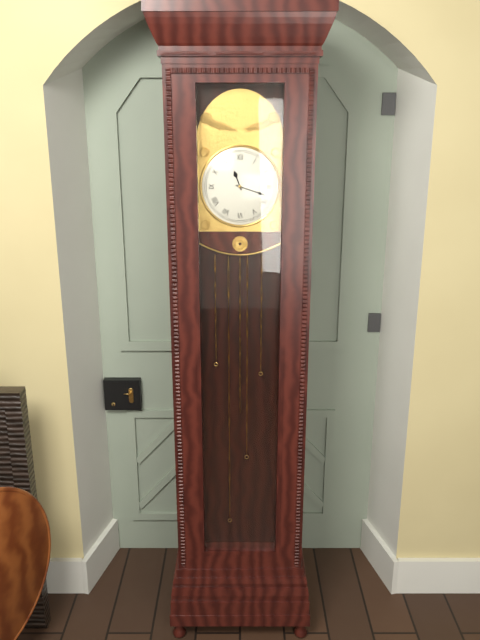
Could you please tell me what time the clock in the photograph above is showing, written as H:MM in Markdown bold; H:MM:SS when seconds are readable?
**11:18**
